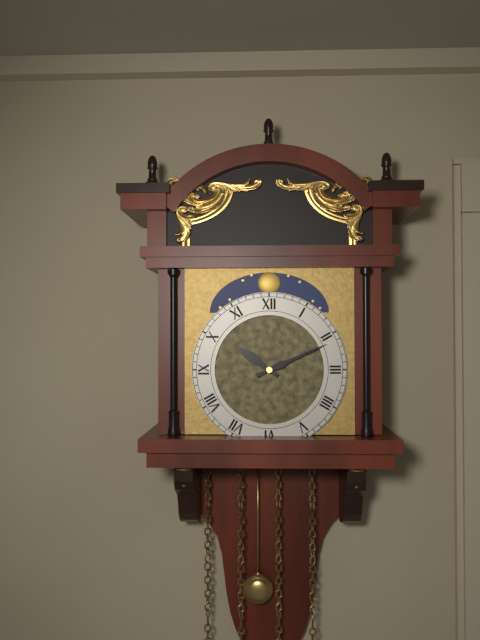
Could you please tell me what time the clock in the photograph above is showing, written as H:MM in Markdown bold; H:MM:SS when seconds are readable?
**10:11**
